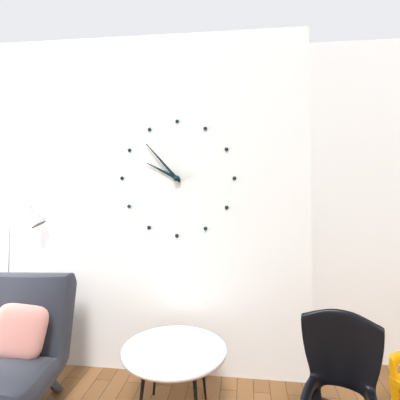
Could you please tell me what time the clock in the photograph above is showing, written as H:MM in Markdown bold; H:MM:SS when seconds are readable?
**9:53**
